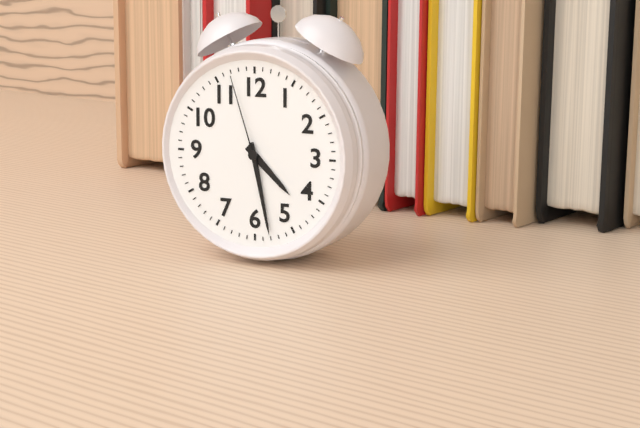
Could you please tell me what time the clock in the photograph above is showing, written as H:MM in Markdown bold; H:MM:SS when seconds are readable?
**4:28:57**
